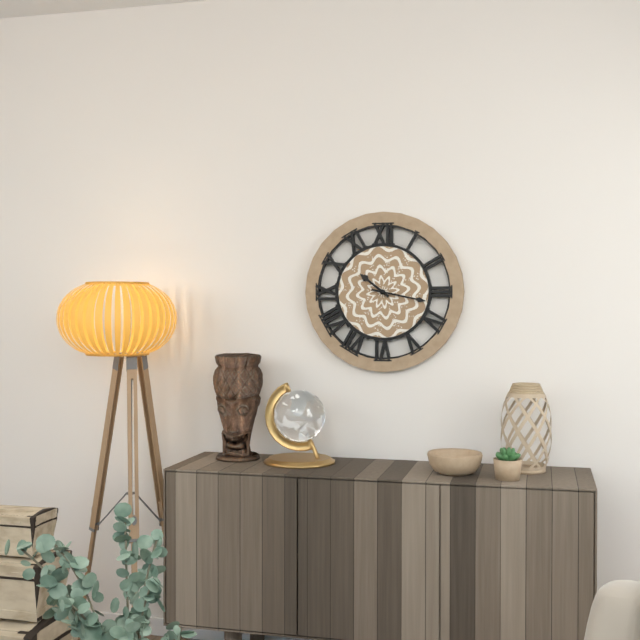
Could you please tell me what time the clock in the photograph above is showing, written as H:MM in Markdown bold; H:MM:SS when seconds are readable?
**10:17**
